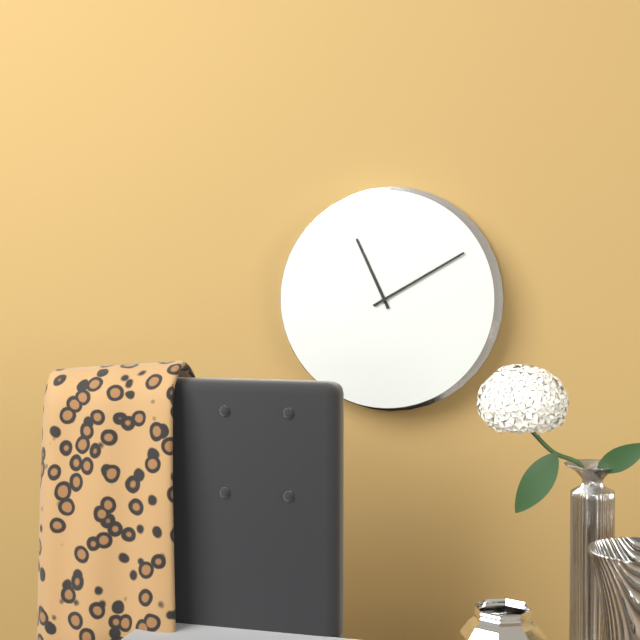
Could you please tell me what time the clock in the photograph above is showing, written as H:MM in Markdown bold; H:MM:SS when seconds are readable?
**11:10**
